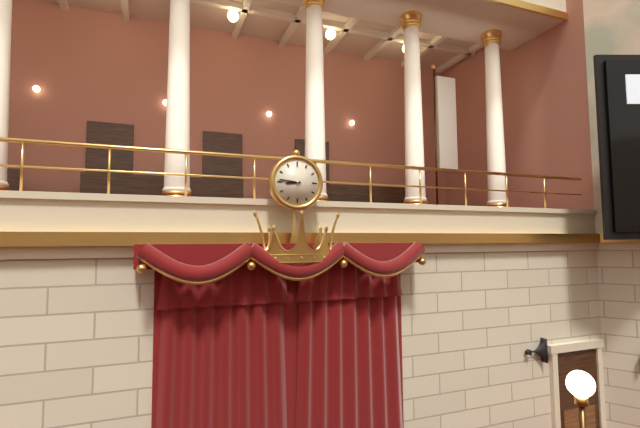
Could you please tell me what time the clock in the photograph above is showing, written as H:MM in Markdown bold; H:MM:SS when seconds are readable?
**8:46**
